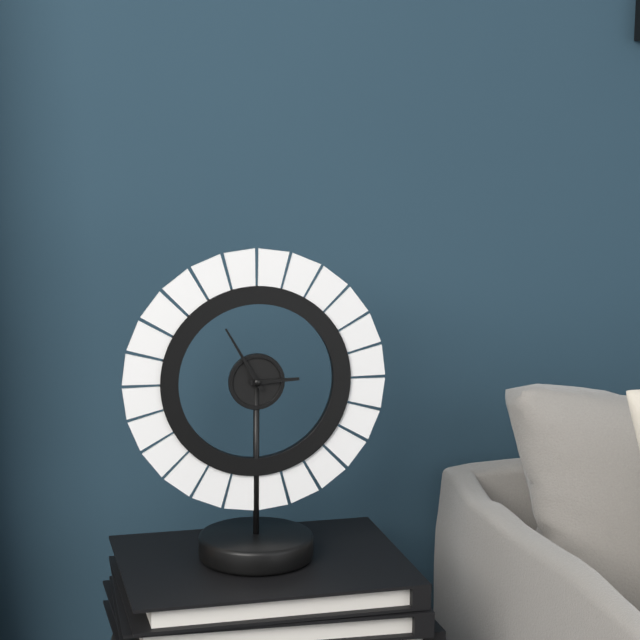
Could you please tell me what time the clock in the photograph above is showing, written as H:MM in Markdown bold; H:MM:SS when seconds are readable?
**2:55**
